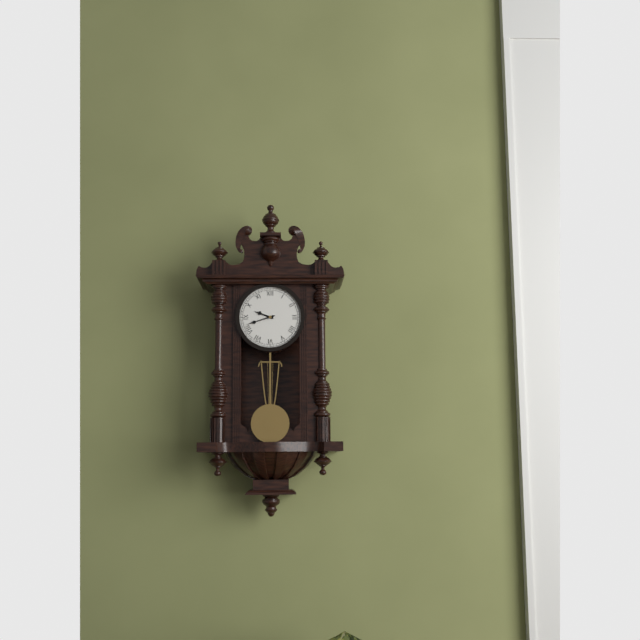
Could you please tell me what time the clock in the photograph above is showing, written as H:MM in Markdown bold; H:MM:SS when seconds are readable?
**9:42**
